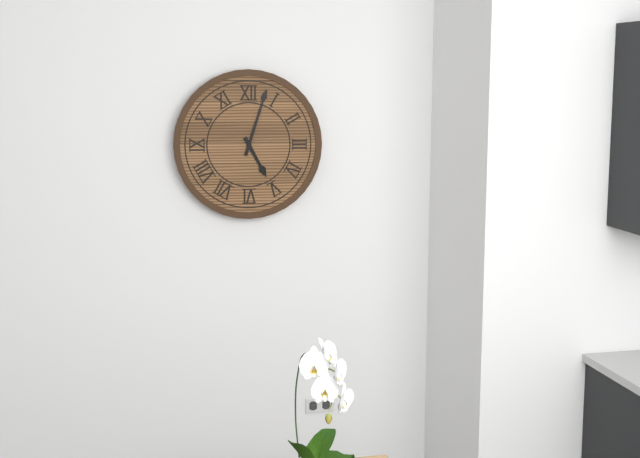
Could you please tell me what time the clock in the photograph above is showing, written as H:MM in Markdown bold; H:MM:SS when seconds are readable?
**5:03**
